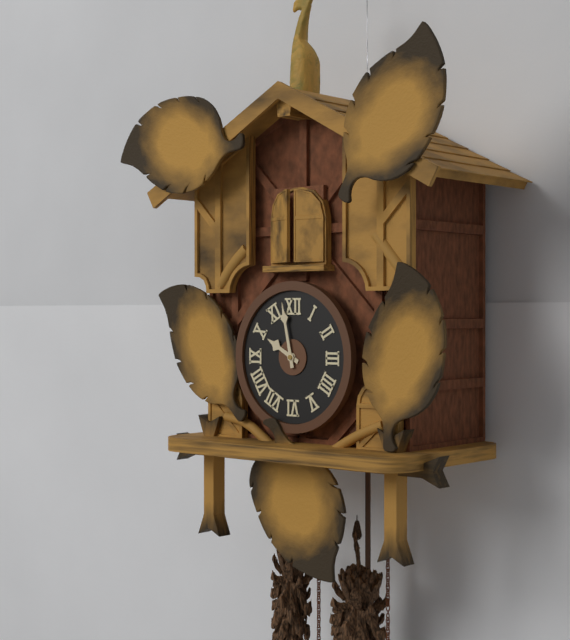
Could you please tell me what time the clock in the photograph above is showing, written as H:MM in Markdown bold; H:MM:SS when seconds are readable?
**9:58**
